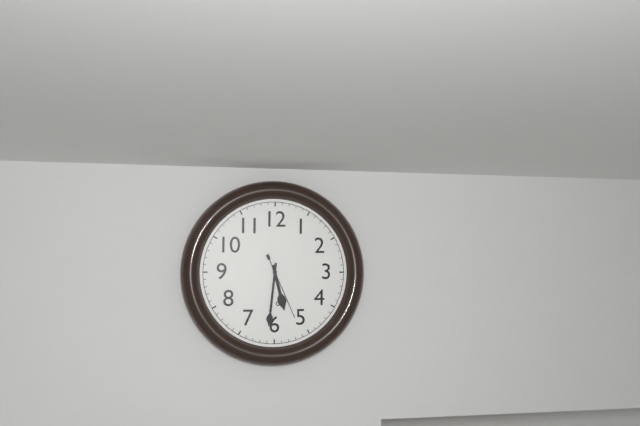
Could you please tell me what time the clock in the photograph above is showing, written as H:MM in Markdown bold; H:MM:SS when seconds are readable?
**5:31:26**
